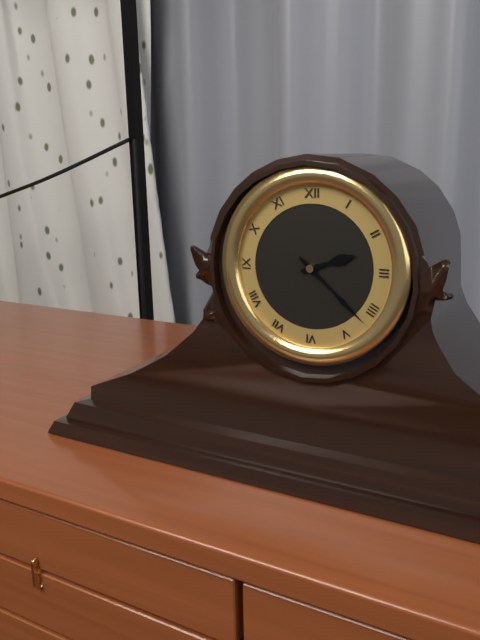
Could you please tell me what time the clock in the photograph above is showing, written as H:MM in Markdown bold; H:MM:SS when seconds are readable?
**2:22**
